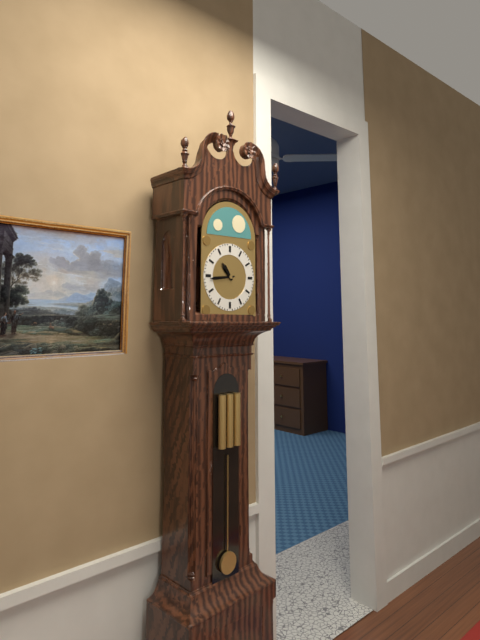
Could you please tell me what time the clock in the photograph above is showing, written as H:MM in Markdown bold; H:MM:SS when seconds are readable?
**10:44**
